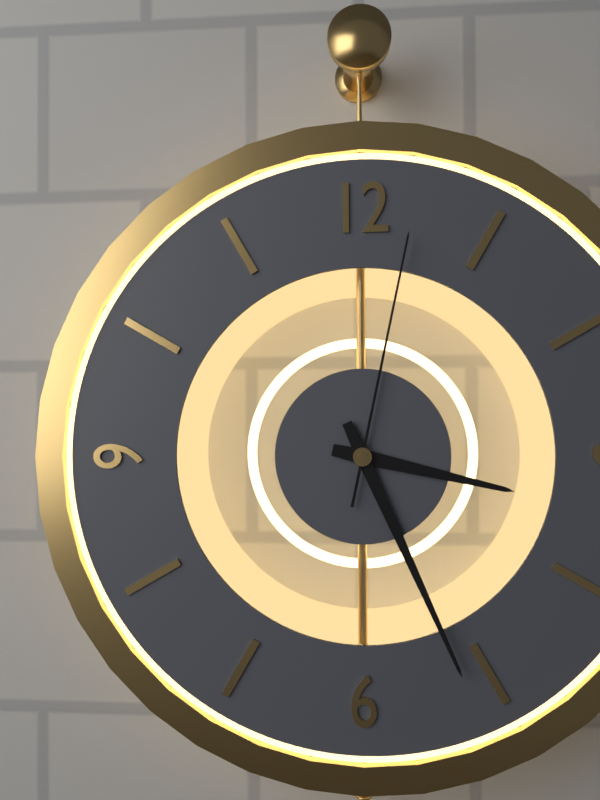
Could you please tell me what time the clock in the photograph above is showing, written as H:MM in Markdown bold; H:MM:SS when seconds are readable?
**3:26:02**
